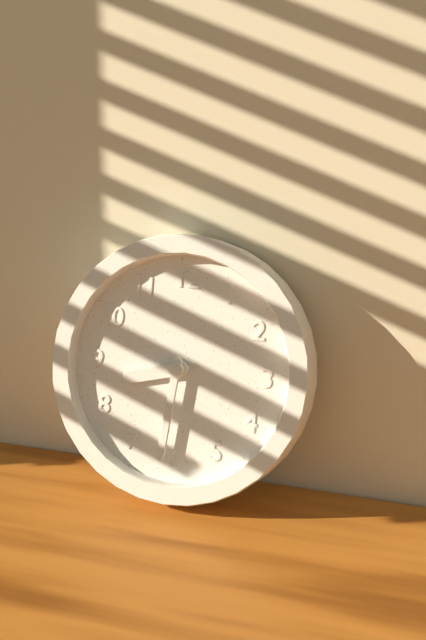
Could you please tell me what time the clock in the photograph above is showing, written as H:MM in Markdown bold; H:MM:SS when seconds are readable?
**8:31**
